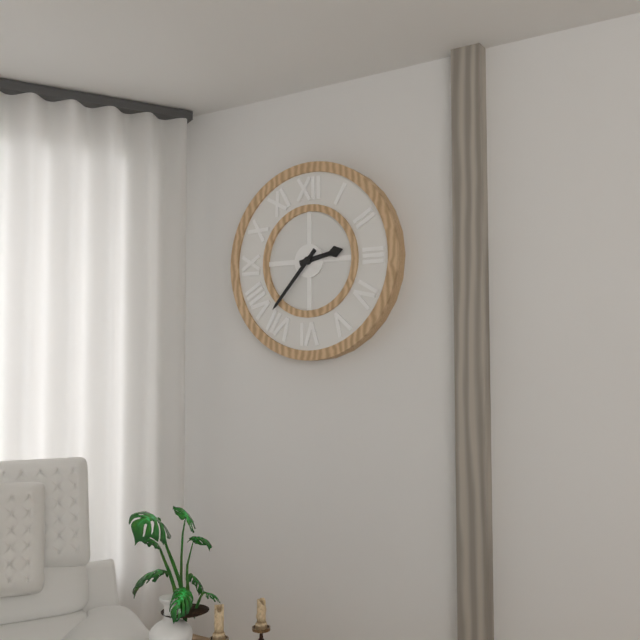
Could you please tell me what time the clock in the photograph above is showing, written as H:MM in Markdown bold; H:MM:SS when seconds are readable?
**2:37**
